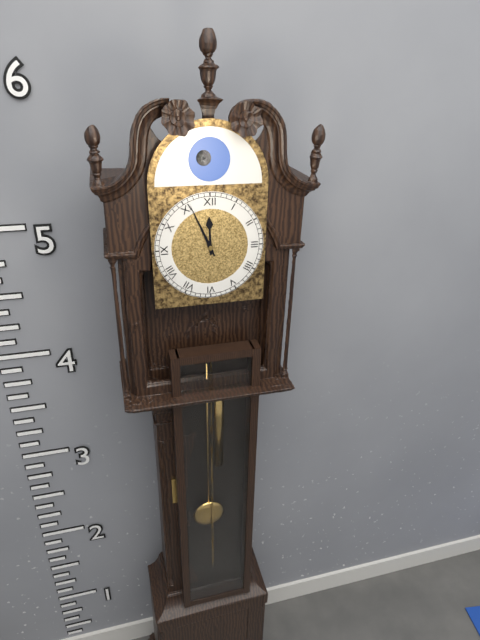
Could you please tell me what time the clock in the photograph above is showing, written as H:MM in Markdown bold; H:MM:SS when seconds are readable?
**11:56**
